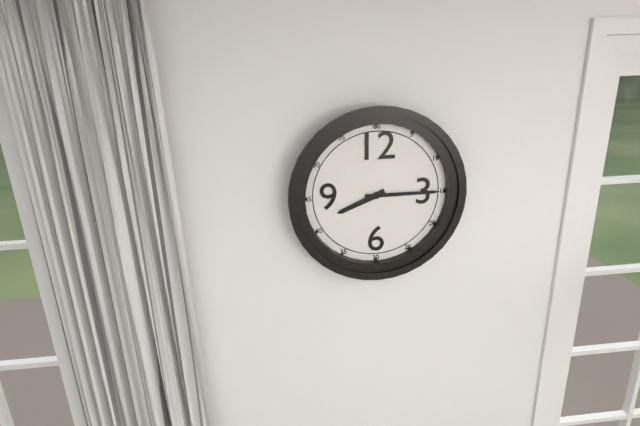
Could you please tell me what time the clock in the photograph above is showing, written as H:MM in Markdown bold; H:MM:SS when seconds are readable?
**8:15**
